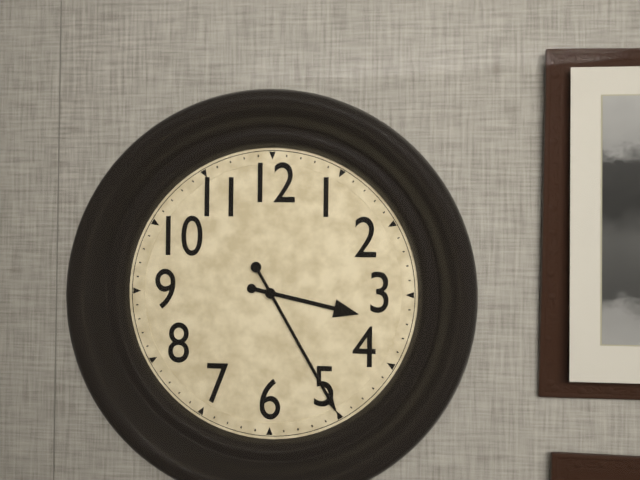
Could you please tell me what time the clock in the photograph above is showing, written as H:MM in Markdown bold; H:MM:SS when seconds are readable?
**3:25**
